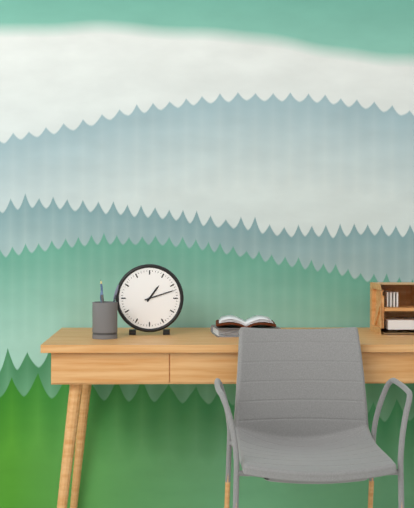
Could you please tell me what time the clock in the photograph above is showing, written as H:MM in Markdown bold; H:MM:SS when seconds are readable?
**1:12**
